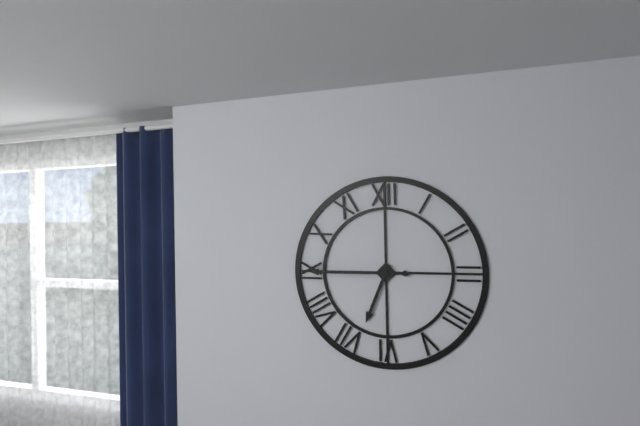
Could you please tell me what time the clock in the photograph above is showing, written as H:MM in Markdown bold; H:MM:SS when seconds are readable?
**6:45**
